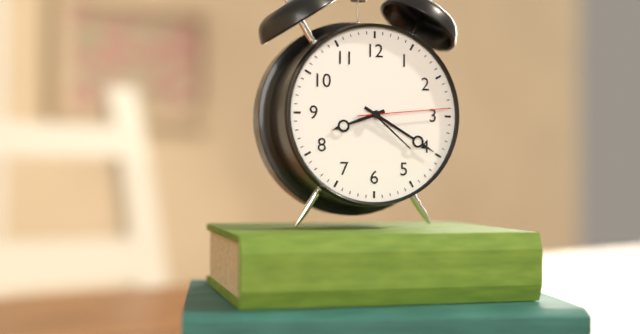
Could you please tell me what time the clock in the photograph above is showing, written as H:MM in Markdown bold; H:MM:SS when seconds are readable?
**8:20:14**
